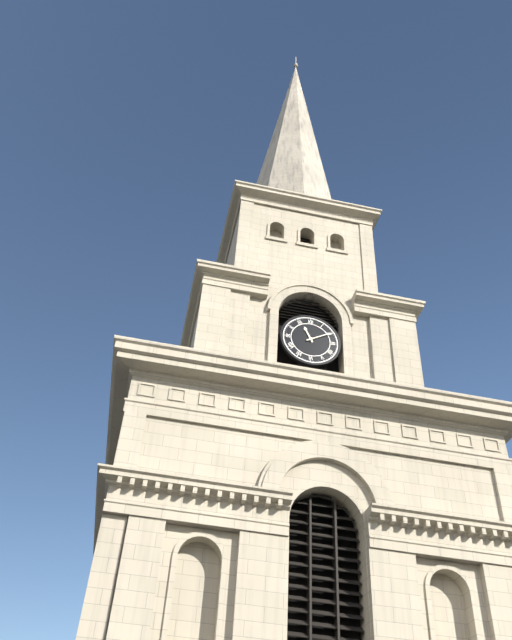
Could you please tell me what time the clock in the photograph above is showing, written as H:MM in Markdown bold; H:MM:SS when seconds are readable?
**11:10**
